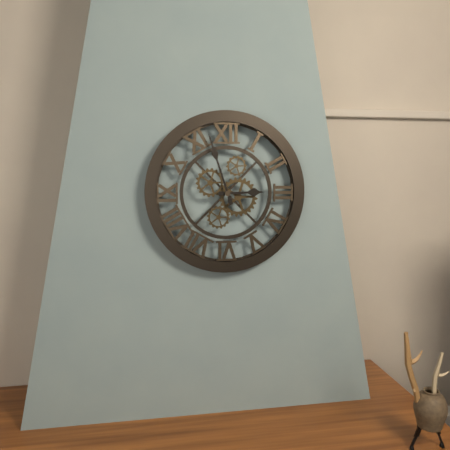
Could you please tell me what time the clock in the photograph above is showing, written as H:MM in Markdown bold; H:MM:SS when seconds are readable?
**2:57**
